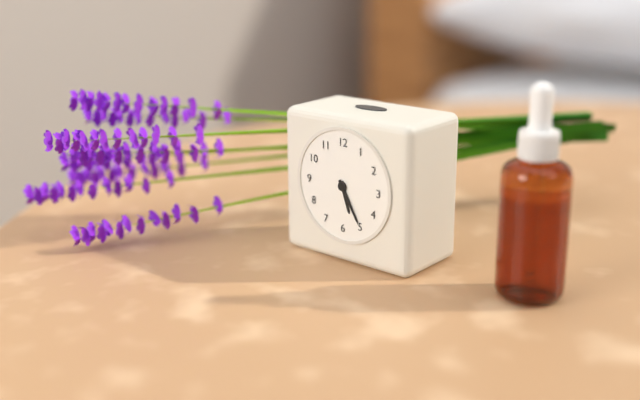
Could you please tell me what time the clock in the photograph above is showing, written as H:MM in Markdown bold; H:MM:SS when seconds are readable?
**5:25**
